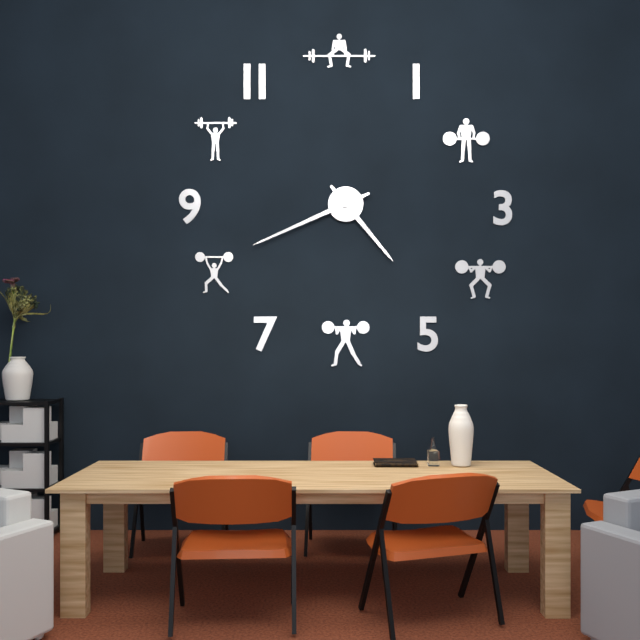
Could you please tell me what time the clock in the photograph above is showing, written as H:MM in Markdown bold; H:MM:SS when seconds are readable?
**4:41**
